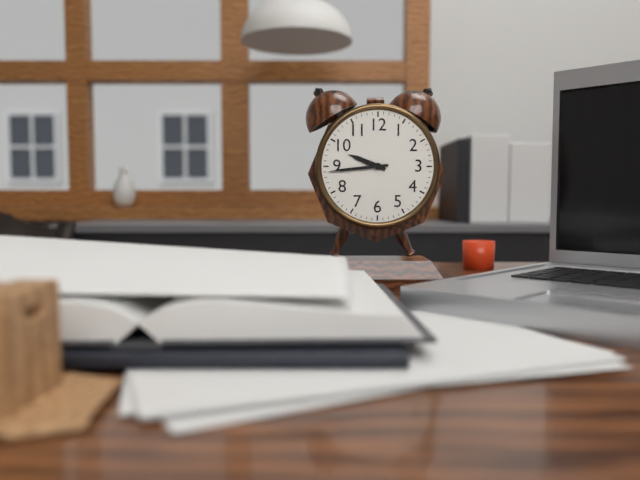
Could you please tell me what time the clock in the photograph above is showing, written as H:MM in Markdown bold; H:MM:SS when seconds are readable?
**9:44**
